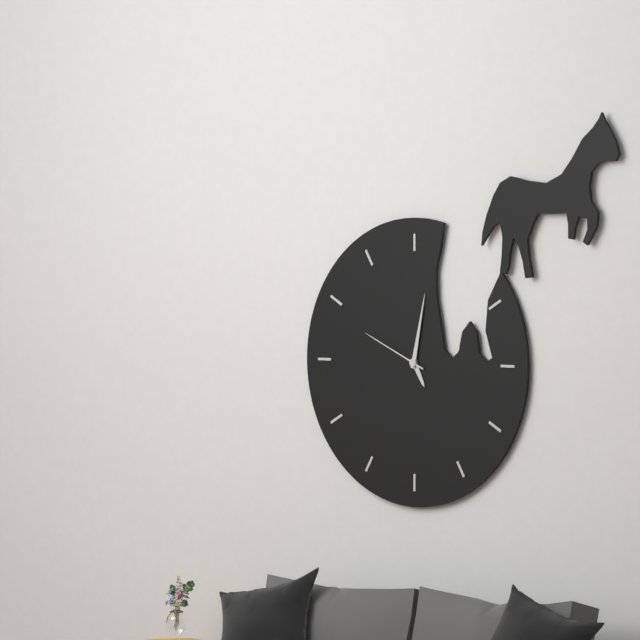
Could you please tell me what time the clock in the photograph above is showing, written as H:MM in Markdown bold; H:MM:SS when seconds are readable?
**5:02:49**
